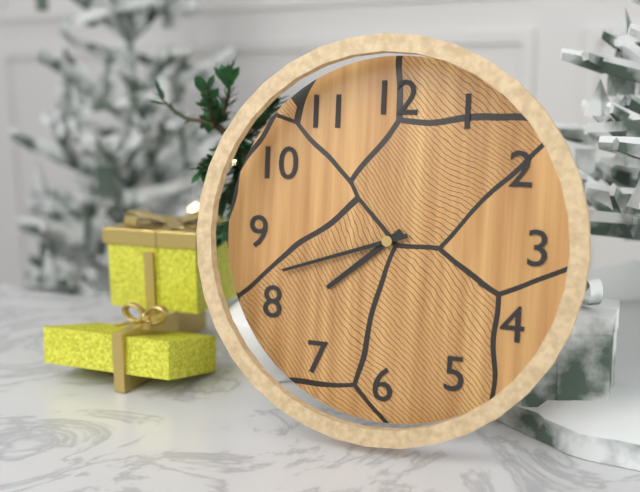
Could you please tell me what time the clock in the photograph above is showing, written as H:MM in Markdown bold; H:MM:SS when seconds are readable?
**7:42**
